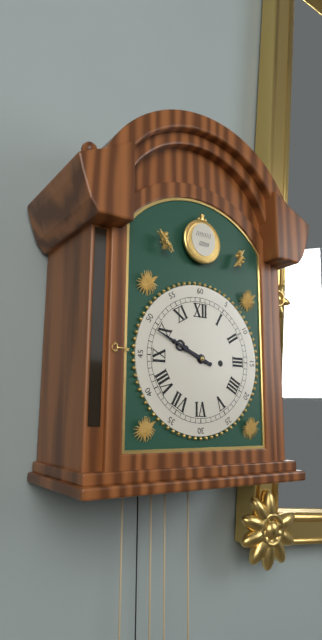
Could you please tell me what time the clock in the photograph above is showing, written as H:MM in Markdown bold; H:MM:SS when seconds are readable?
**9:49**
